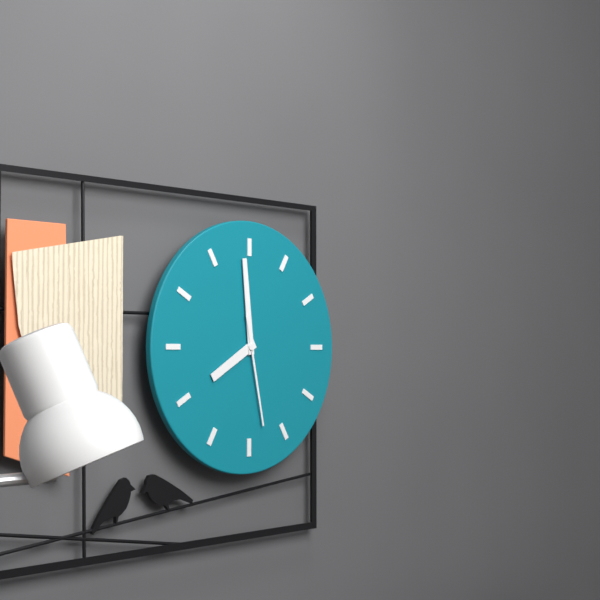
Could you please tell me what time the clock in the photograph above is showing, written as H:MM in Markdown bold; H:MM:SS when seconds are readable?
**7:59:28**
